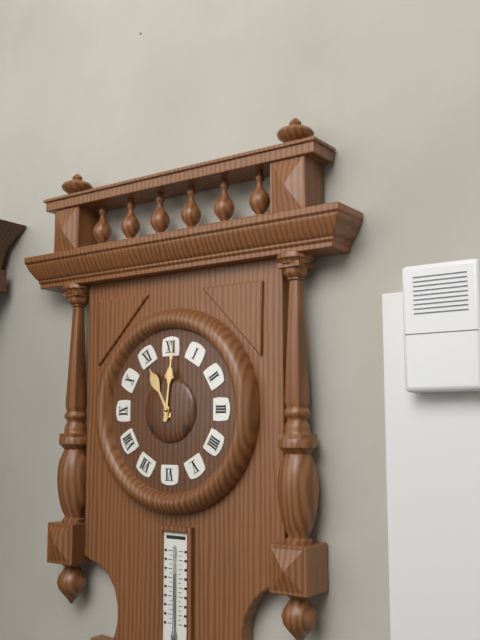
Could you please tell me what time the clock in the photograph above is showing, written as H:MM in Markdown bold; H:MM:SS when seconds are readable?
**11:01**
